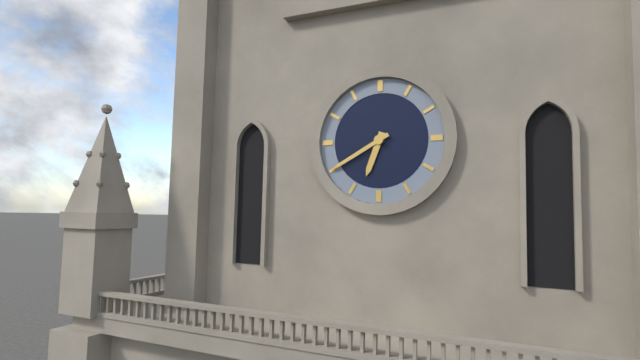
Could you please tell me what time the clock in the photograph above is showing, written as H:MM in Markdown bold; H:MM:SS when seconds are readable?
**6:40**
